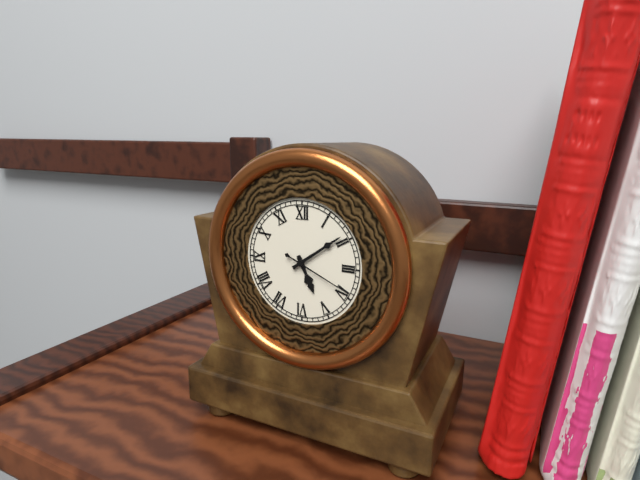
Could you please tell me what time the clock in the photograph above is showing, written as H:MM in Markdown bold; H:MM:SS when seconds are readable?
**5:09:19**
